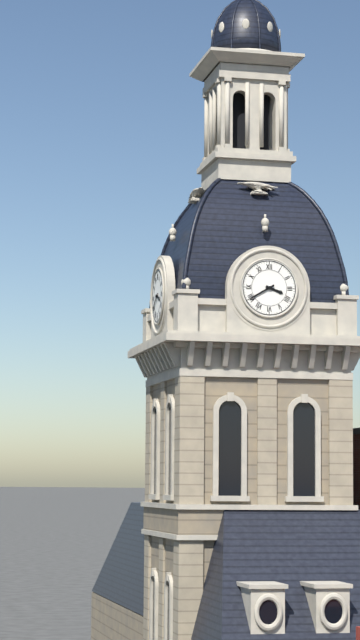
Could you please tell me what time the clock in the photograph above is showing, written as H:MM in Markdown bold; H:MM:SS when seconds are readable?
**3:40**
